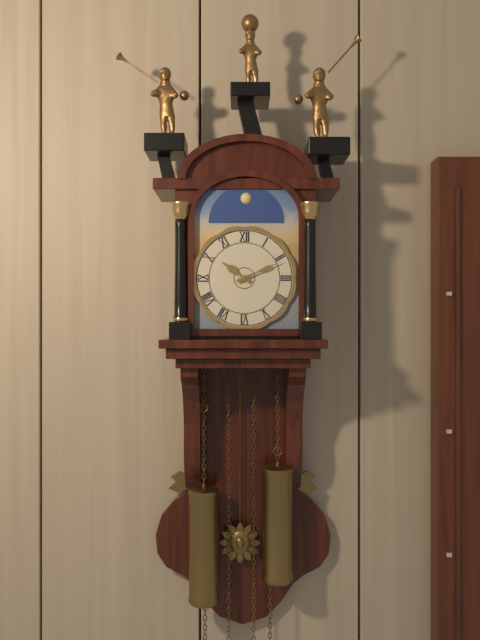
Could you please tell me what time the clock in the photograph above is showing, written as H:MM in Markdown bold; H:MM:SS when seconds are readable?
**10:11**
